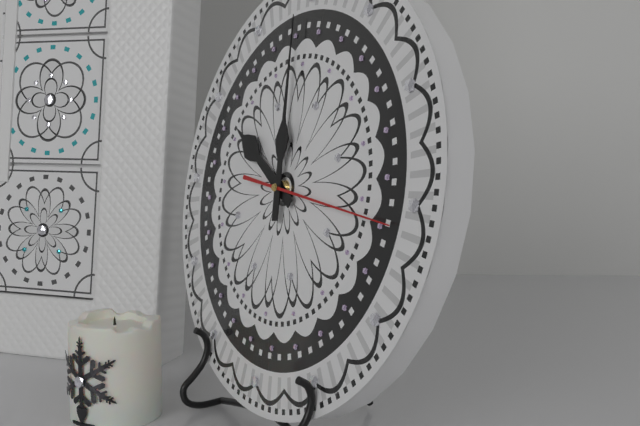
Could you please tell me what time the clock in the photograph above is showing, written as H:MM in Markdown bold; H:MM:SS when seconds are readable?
**9:59:16**
